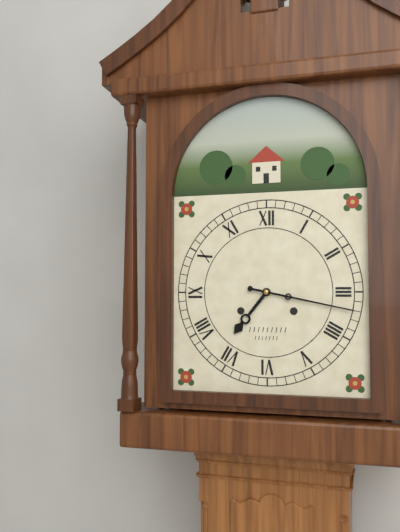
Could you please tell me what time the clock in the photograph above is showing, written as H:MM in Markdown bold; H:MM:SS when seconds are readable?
**7:17**
